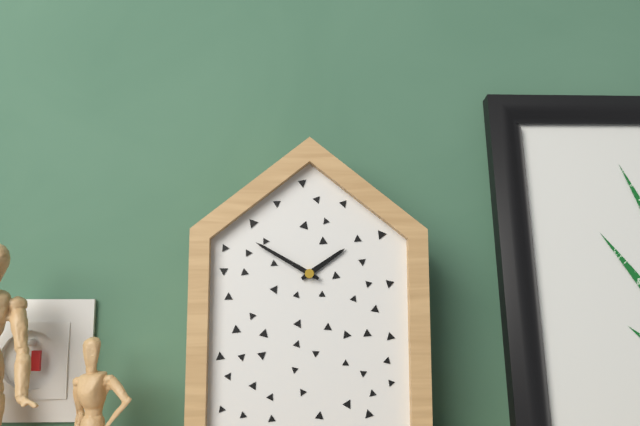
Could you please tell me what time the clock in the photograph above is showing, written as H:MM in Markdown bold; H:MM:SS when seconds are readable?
**1:50**
